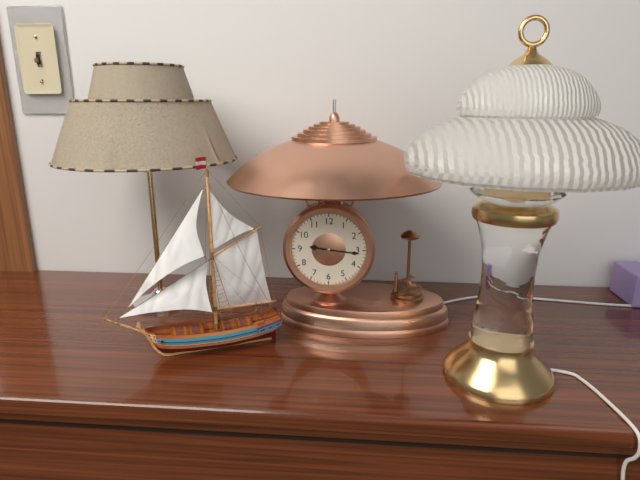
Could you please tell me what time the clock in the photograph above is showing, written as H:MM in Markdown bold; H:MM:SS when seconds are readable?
**9:16**
